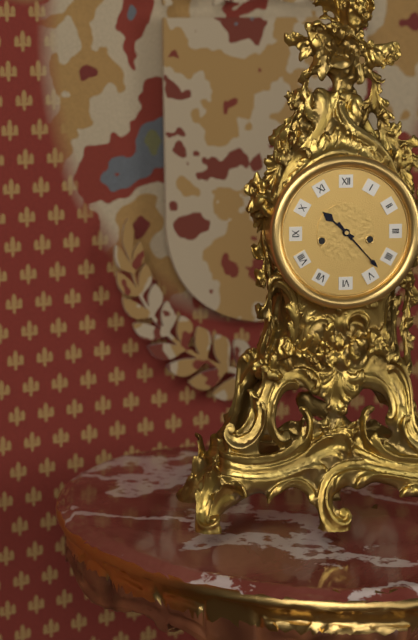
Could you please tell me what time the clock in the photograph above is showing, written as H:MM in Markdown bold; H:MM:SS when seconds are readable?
**10:23**
